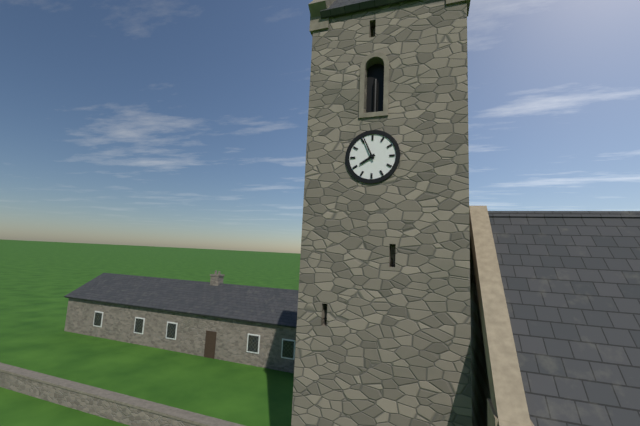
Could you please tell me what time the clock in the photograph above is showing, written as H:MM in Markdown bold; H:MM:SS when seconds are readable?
**7:56**
